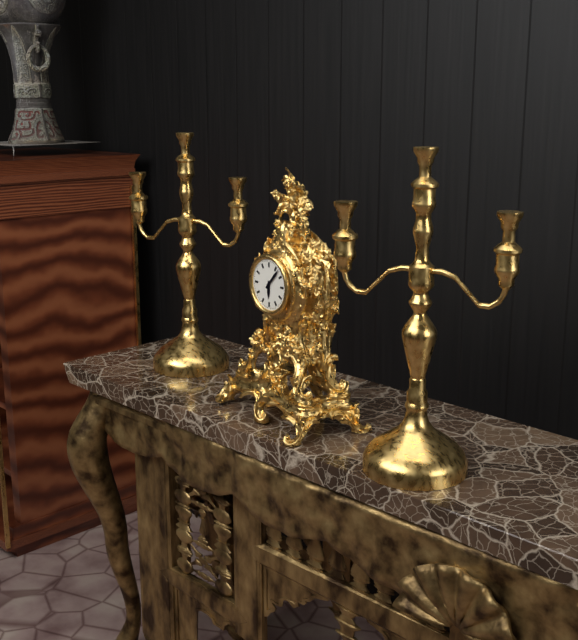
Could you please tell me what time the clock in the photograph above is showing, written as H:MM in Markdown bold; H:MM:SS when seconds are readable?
**6:07**
